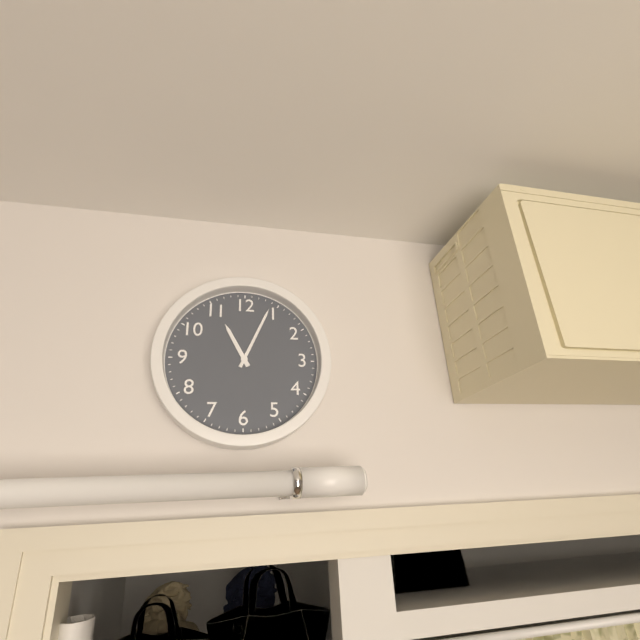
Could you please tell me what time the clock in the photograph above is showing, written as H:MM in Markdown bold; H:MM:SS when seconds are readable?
**11:04**
